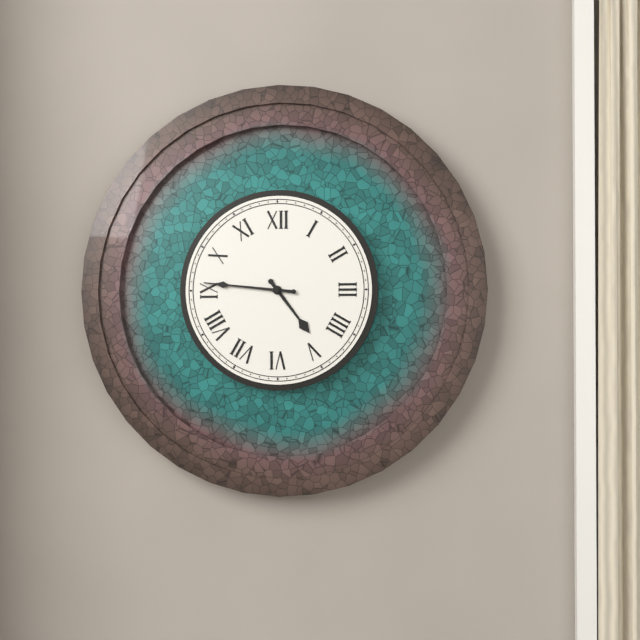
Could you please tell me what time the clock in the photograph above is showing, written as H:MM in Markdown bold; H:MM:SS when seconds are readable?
**4:46**
